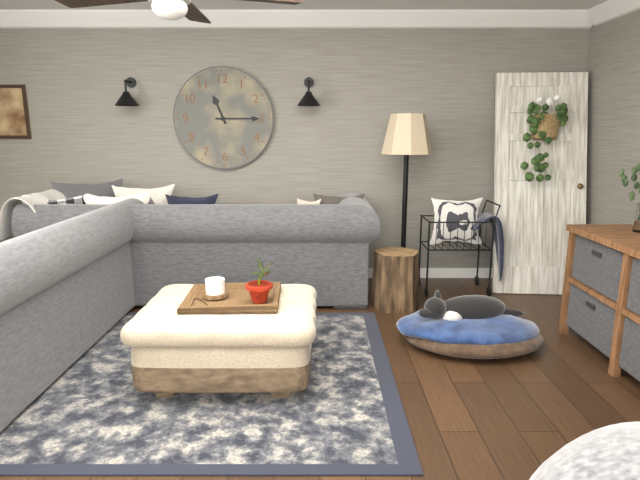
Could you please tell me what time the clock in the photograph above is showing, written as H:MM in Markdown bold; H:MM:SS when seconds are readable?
**11:15**
